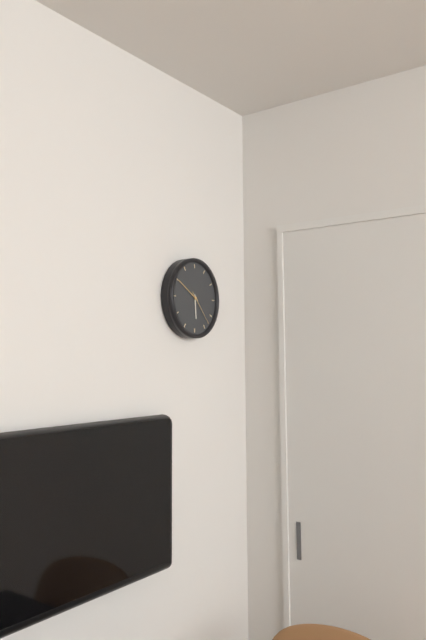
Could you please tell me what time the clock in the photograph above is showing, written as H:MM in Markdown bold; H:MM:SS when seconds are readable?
**5:50**
